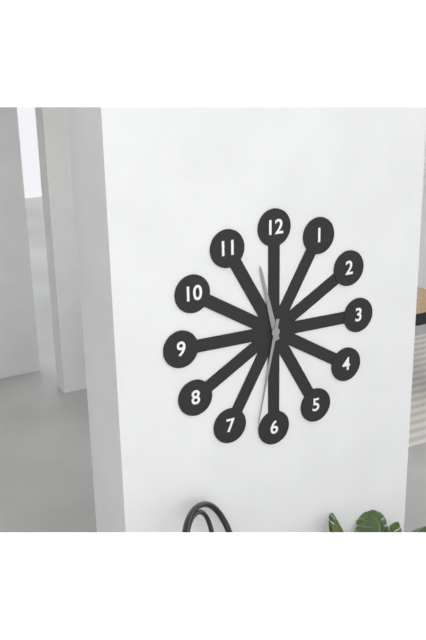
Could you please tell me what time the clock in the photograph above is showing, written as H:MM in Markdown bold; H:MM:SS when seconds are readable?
**11:32**
